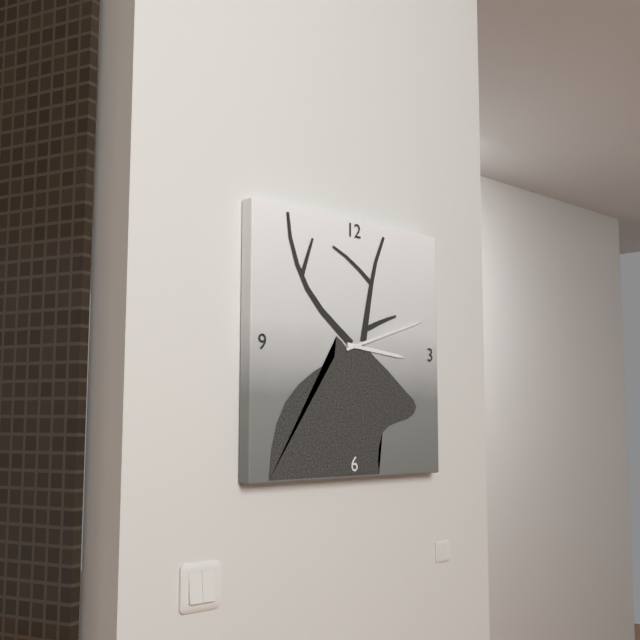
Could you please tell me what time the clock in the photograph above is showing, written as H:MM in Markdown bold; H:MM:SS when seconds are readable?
**3:12**
